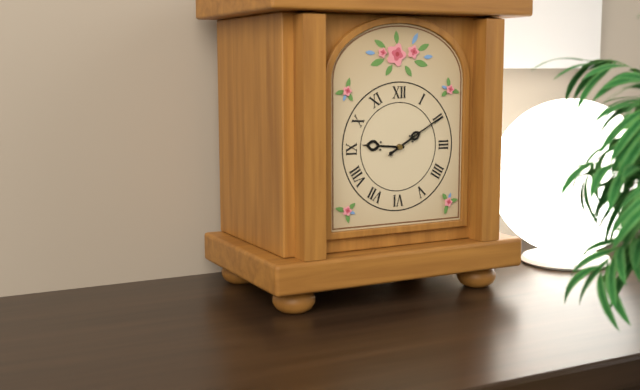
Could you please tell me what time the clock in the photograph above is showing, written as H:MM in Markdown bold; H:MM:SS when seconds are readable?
**9:10:10**
